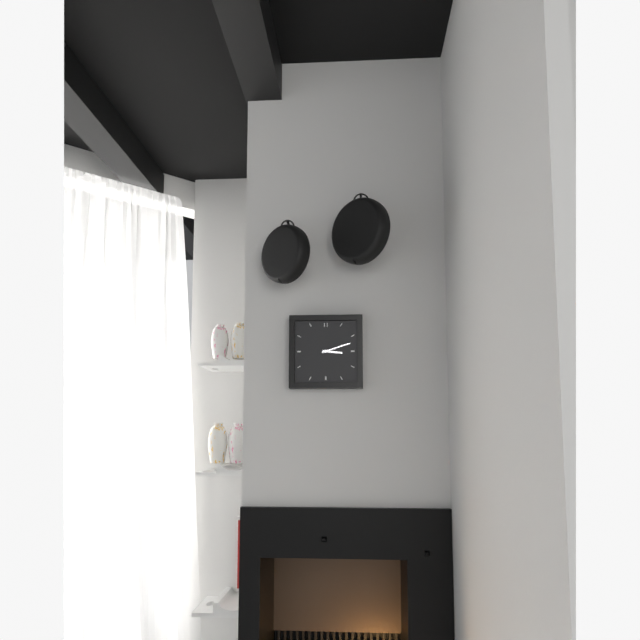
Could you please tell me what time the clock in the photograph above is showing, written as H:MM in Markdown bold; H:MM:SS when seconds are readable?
**3:12**
